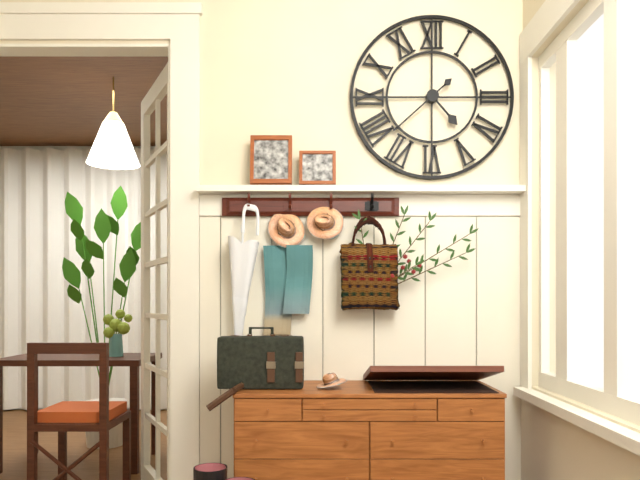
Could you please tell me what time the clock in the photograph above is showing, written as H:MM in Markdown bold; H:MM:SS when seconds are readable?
**4:38**
